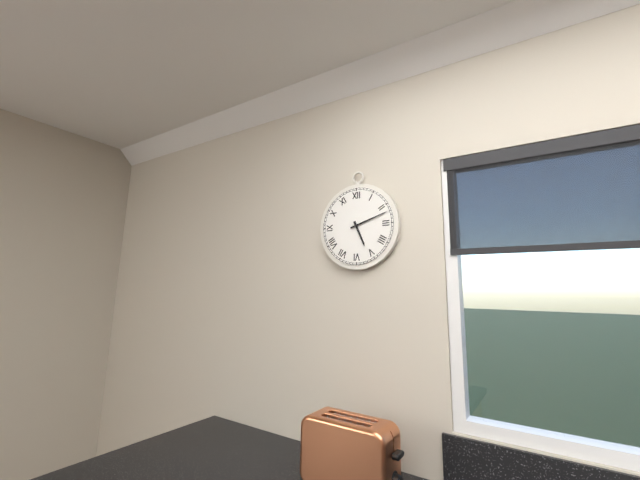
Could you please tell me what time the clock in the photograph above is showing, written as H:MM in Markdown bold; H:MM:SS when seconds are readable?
**5:12**
